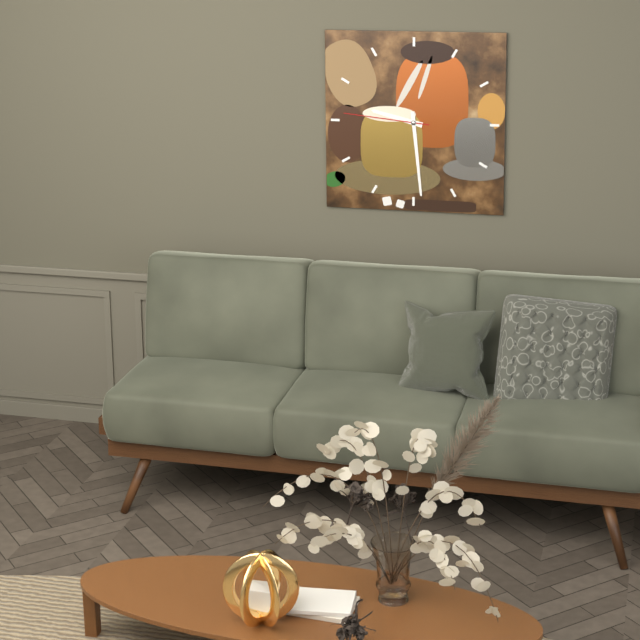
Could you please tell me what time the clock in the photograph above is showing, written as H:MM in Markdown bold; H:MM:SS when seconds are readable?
**9:29:46**
